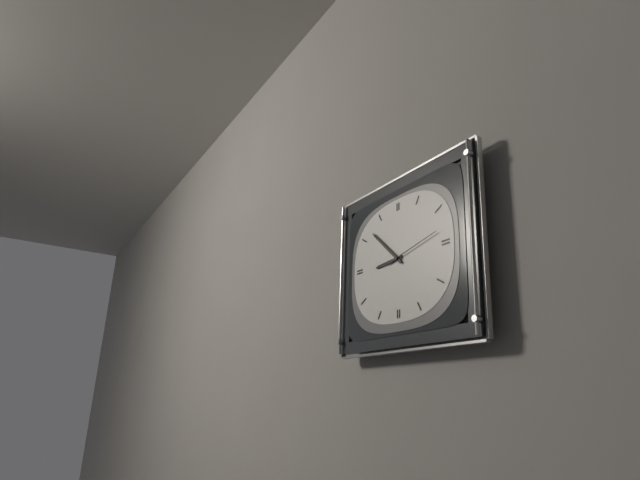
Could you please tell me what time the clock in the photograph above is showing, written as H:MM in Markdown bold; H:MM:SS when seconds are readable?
**8:52:13**
